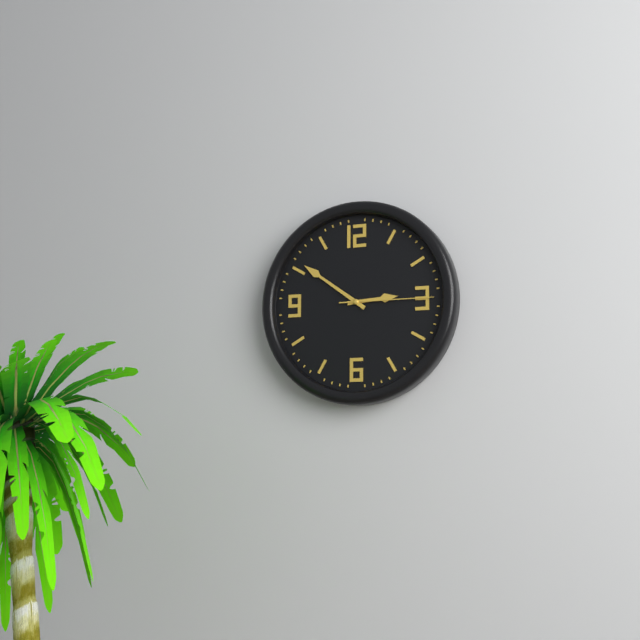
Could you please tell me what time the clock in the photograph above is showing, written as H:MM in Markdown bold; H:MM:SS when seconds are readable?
**2:51:15**
